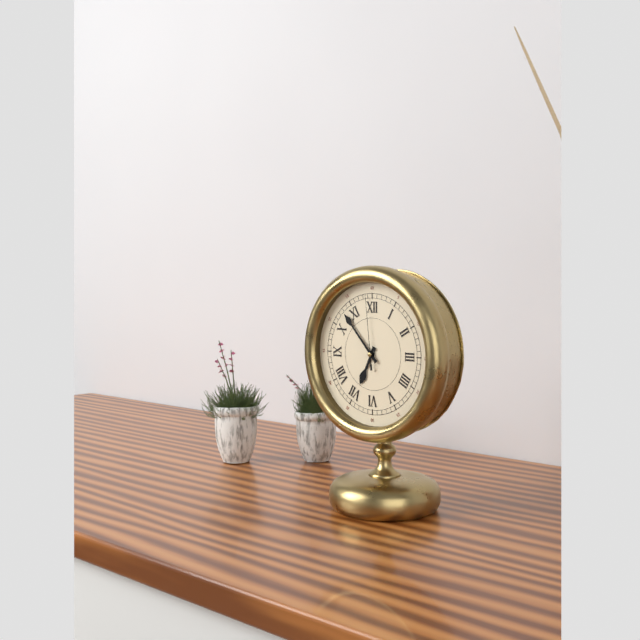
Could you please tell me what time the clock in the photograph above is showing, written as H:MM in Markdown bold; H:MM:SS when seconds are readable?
**6:53:59**
